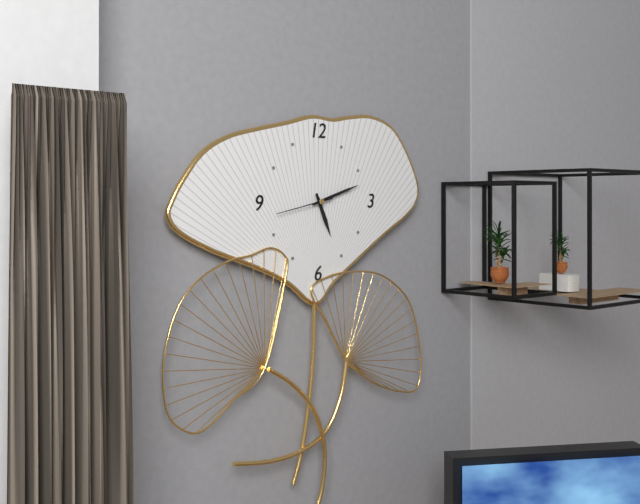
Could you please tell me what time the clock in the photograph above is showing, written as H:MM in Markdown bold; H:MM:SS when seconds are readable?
**5:12:43**
